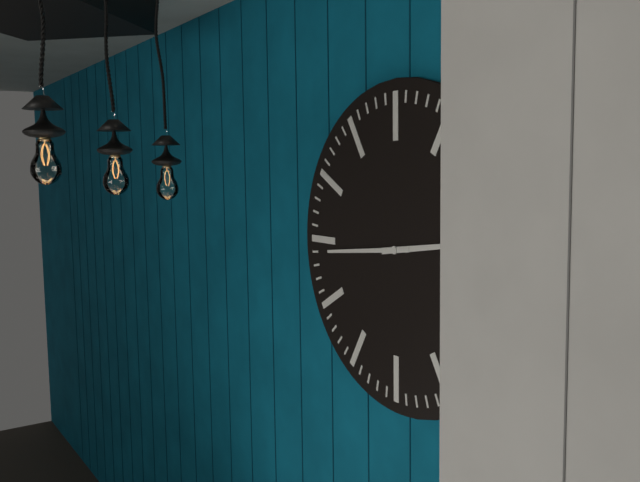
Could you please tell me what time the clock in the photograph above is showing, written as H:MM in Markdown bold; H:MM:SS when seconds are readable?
**2:44**
